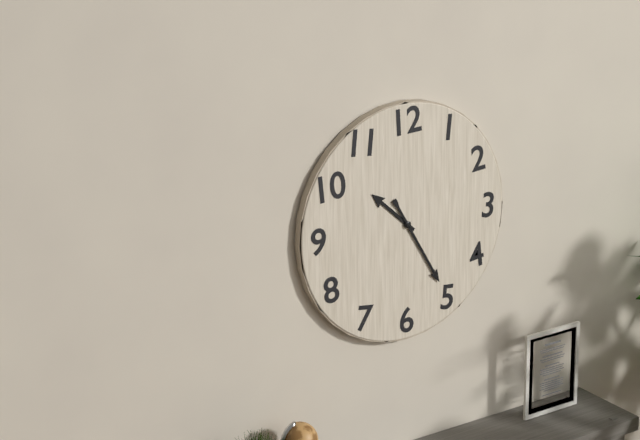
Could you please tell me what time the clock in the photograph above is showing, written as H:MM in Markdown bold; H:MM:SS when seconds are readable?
**10:25**
